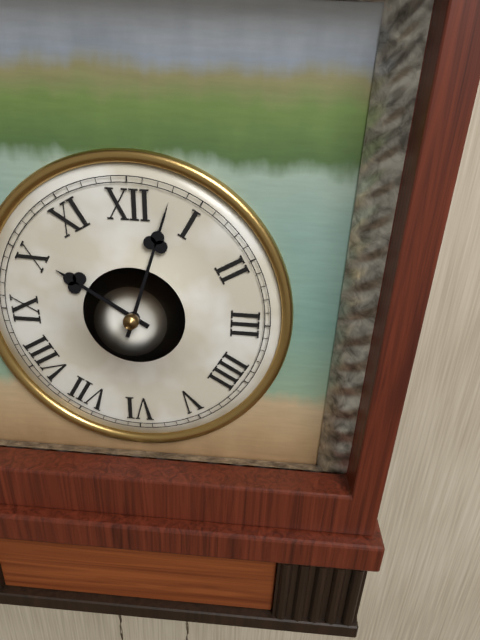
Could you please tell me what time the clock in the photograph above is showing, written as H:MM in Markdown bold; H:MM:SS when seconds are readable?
**10:03**
